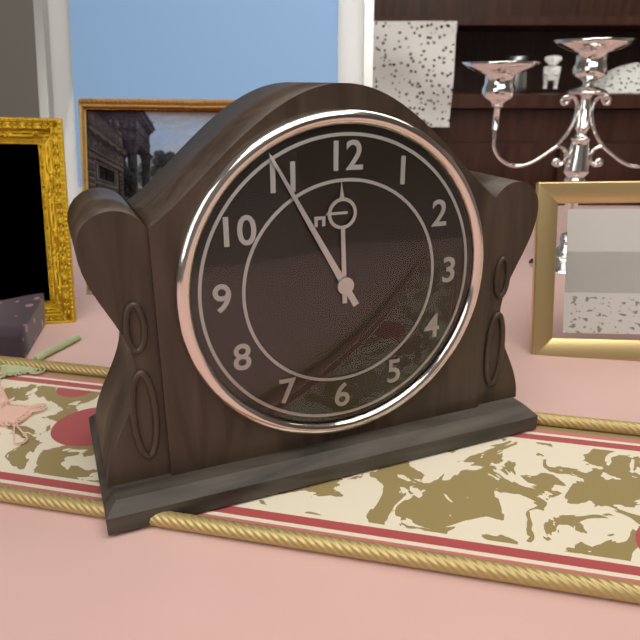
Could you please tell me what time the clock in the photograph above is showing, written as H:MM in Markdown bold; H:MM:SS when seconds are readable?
**11:55**
